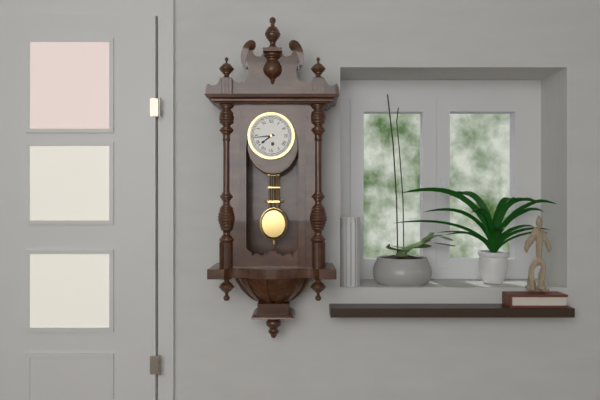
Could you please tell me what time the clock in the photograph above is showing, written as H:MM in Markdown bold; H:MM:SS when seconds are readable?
**7:44**
